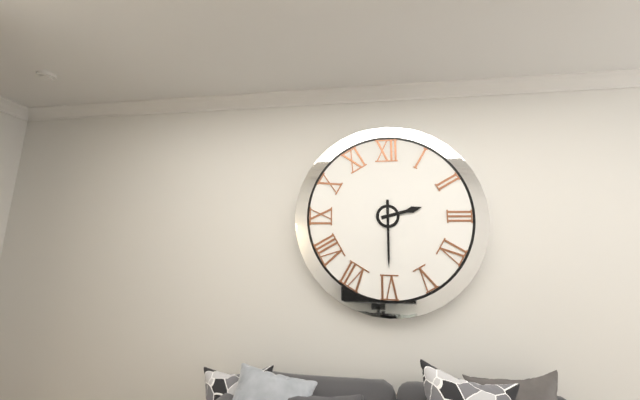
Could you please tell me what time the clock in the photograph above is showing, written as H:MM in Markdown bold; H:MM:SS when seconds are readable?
**2:30**
